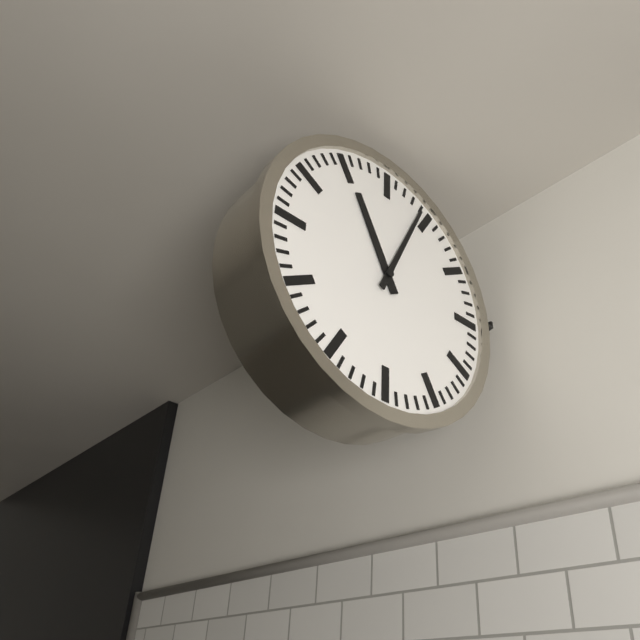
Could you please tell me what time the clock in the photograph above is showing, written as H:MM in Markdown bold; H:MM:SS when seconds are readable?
**11:04**
